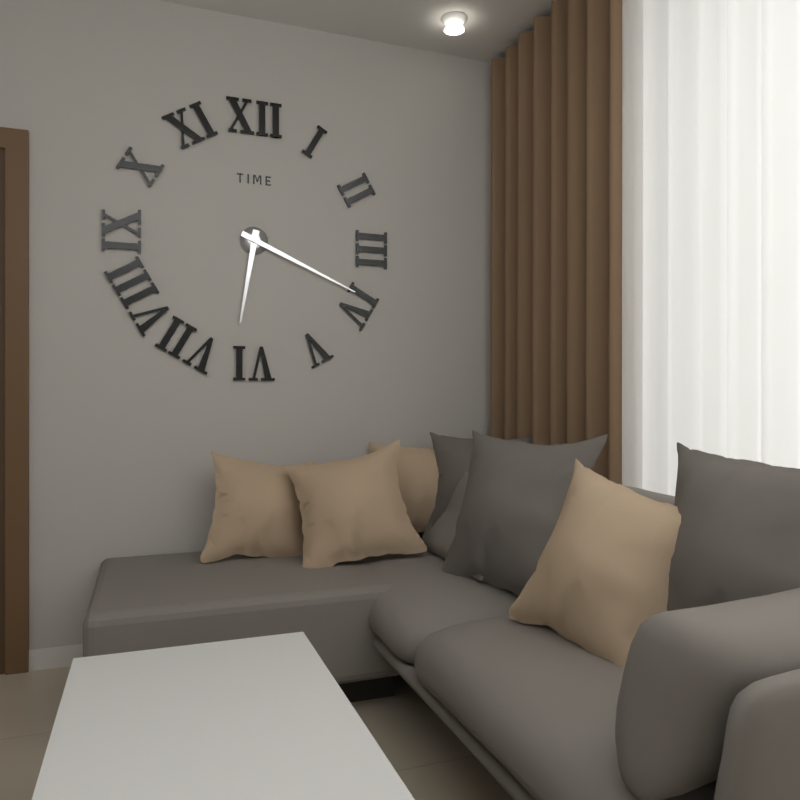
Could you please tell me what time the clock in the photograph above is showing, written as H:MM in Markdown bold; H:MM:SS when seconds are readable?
**6:19**
